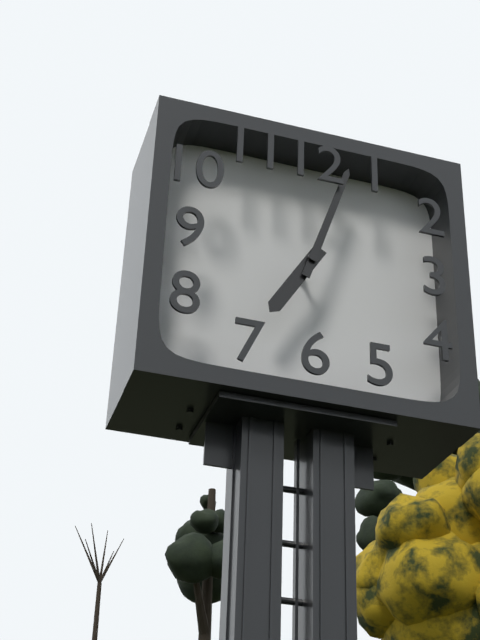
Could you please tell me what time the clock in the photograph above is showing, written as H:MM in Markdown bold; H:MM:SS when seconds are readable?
**7:03**
